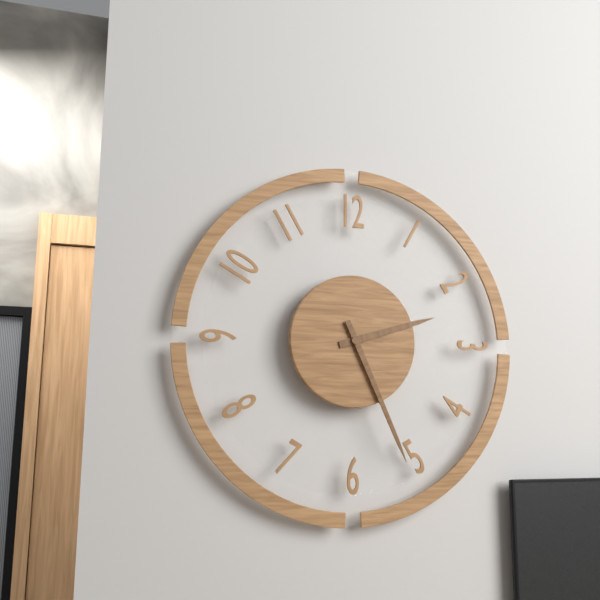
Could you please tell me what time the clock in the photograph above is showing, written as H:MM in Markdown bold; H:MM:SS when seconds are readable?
**2:26**
